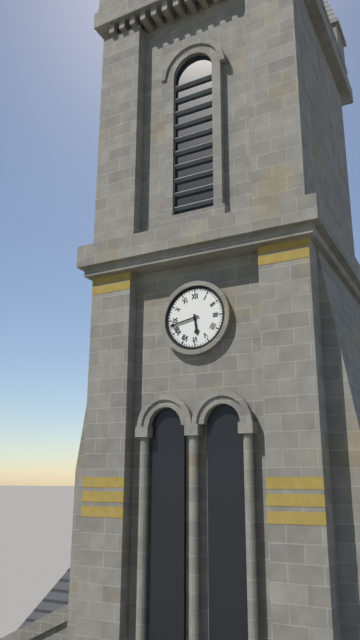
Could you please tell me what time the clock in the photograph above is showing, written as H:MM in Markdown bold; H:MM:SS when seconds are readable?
**5:43**
